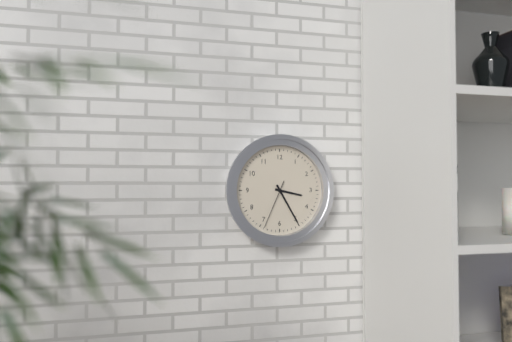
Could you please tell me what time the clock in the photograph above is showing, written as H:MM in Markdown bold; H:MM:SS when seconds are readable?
**3:25:34**
